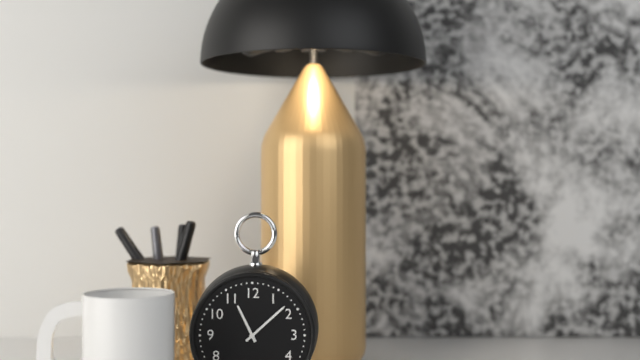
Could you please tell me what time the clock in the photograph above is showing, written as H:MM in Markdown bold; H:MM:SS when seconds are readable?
**11:08**
